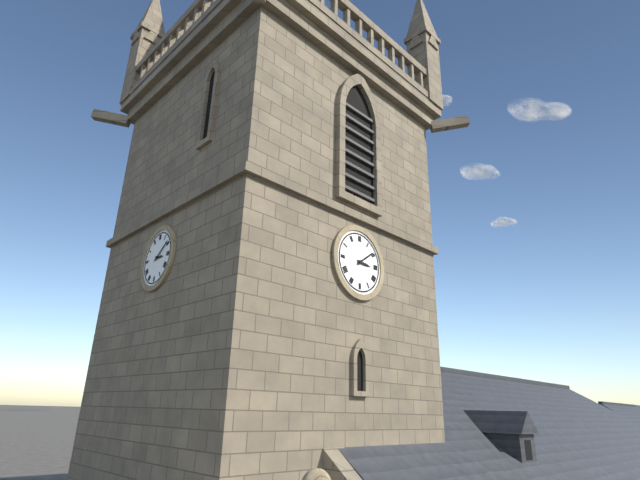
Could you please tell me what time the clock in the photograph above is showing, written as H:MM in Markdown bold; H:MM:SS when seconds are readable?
**3:09**
